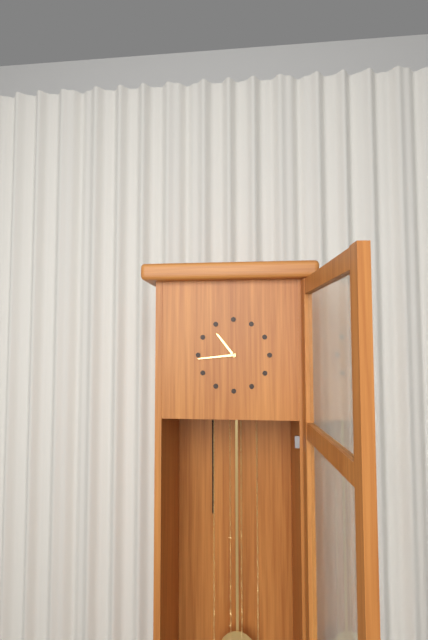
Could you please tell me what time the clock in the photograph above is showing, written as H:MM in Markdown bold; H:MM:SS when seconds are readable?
**10:44**
